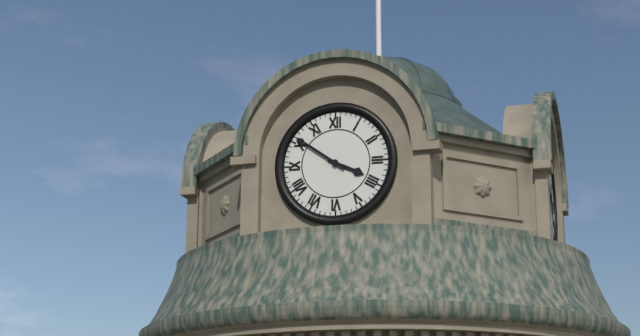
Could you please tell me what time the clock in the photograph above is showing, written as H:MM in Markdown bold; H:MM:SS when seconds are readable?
**3:51**
